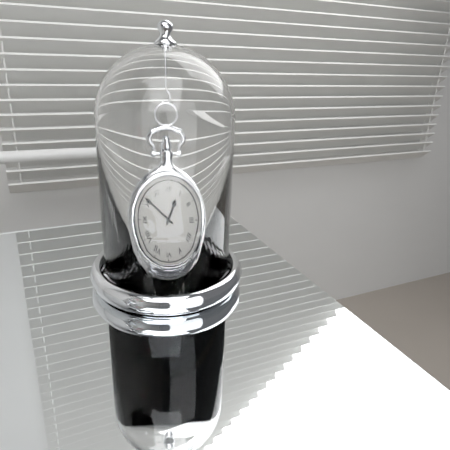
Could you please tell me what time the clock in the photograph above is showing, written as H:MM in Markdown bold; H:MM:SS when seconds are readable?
**12:51**
